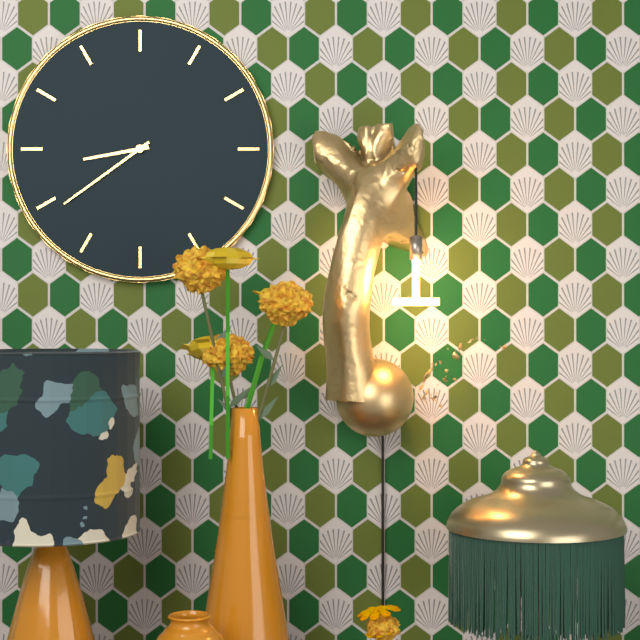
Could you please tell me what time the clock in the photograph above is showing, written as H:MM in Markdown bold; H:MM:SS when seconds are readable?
**8:39**
